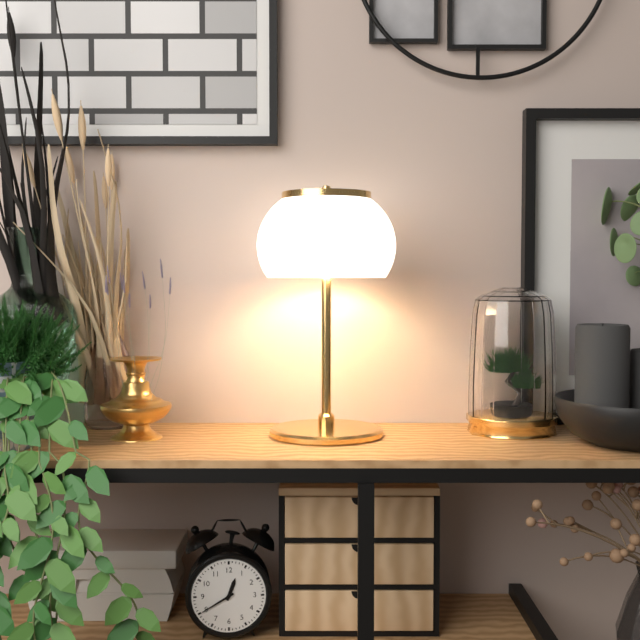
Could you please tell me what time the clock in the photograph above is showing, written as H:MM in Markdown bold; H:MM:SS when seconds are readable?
**12:40**
